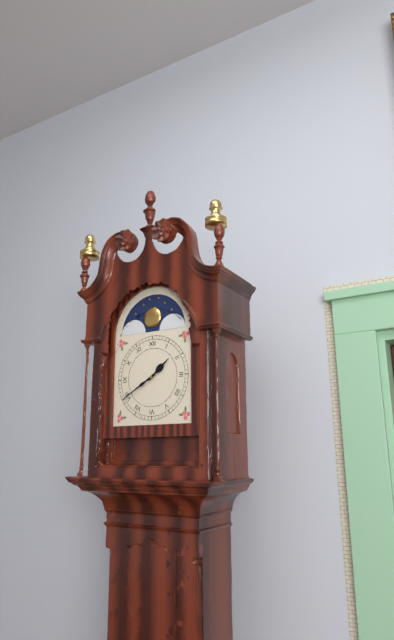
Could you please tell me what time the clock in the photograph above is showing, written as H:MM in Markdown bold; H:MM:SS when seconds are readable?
**1:40**
